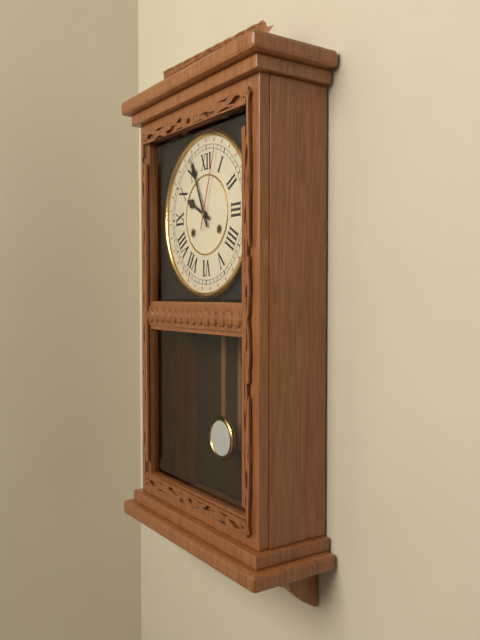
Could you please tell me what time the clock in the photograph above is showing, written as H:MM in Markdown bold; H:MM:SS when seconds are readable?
**9:56:03**
